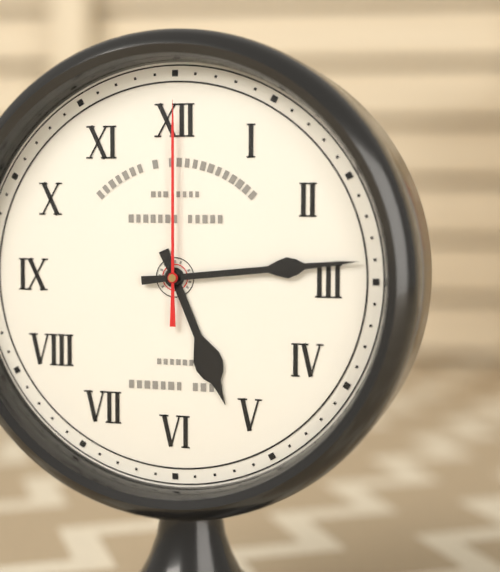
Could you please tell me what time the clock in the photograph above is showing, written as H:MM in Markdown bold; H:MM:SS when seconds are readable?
**5:14:00**
